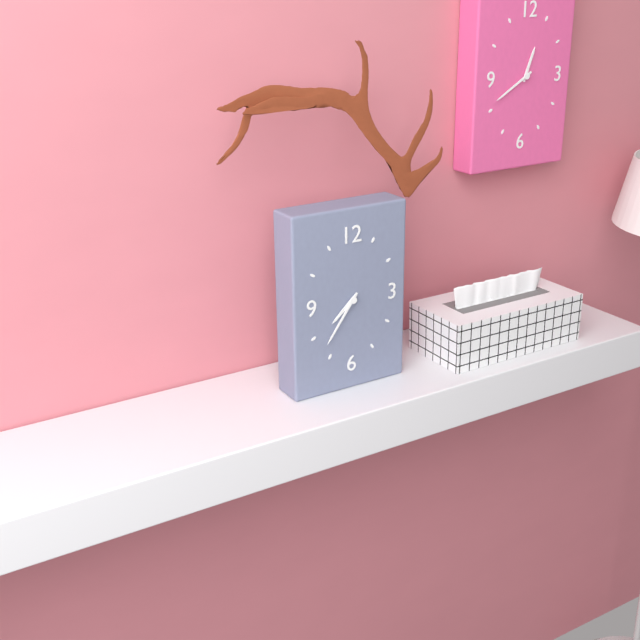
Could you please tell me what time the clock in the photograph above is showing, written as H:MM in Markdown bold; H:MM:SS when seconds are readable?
**7:36**
